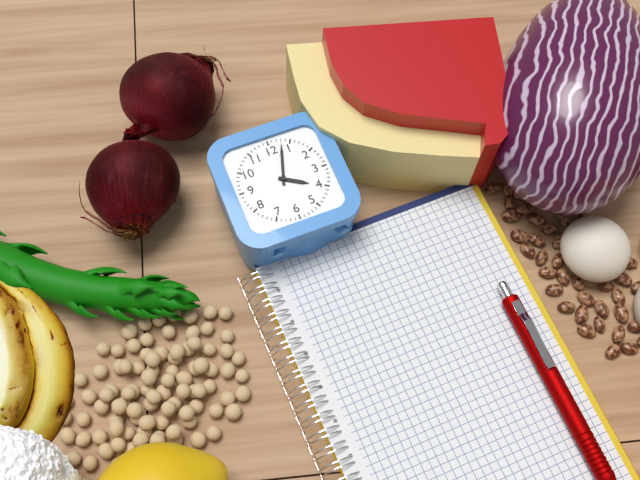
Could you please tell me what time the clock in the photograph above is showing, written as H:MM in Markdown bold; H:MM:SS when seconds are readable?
**4:03**
